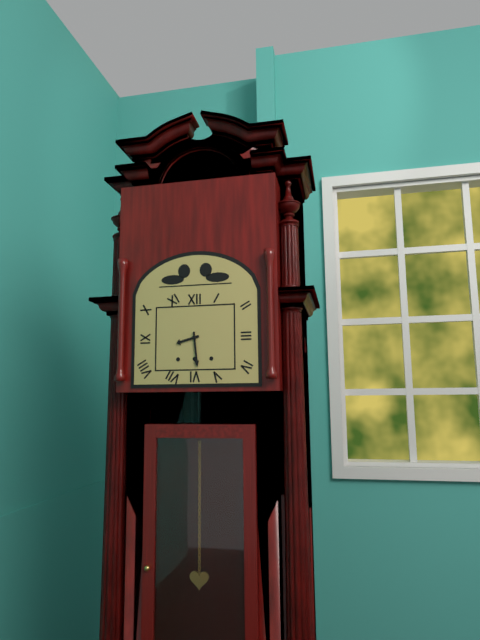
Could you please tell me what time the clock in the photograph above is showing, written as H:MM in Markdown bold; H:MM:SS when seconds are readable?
**8:29**
